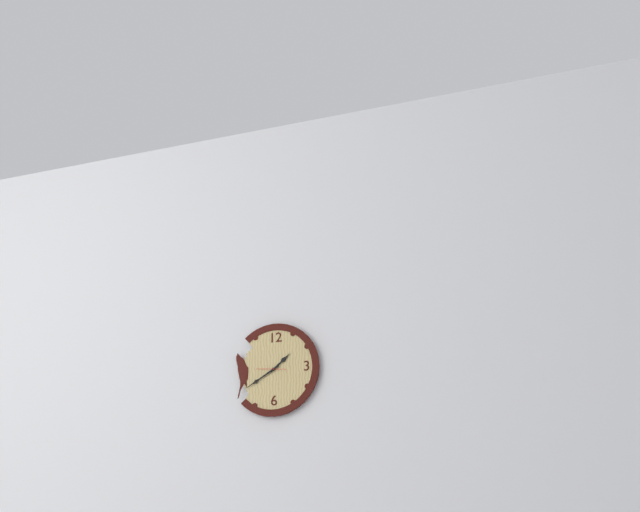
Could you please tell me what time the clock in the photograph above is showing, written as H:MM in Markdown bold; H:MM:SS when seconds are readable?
**1:40**
